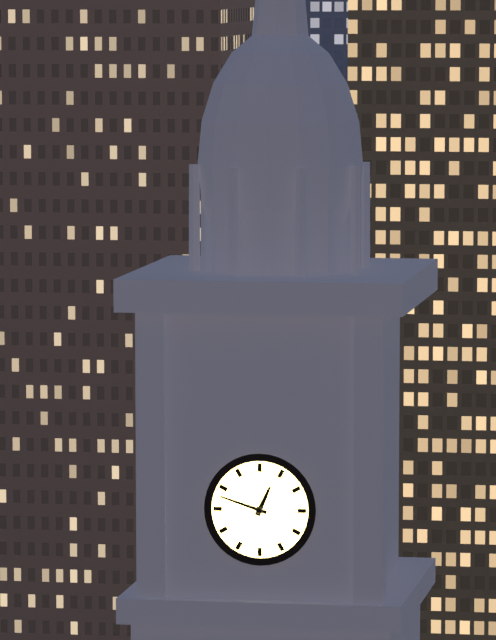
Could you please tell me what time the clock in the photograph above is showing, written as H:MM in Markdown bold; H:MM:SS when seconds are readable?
**12:48**
